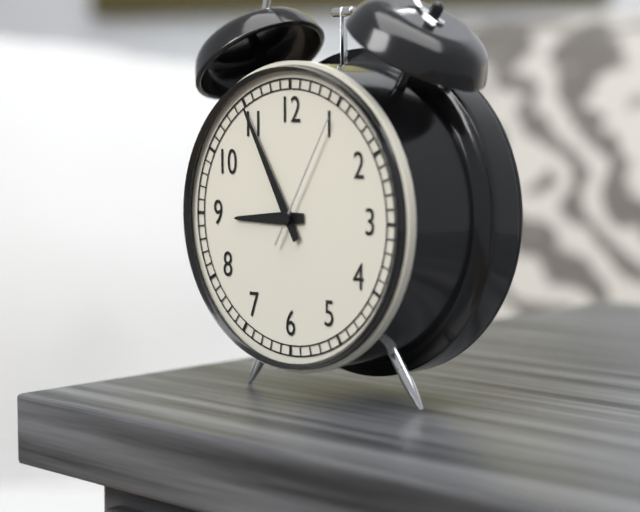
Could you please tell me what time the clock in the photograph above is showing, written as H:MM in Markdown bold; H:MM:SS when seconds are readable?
**8:55:05**
